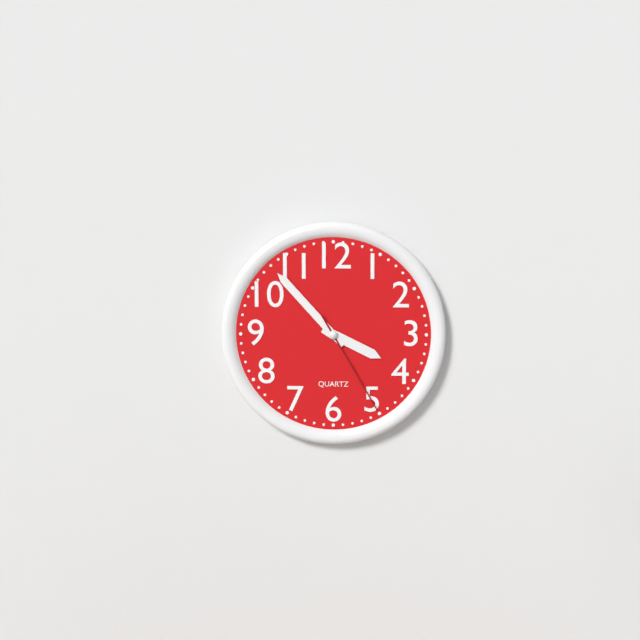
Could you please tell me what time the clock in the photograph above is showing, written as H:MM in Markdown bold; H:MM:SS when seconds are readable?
**3:53:25**
